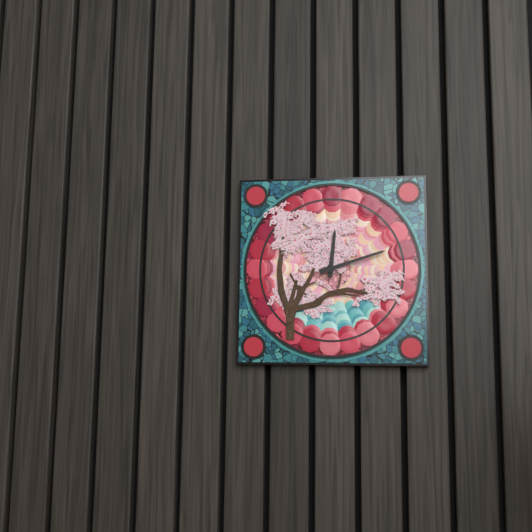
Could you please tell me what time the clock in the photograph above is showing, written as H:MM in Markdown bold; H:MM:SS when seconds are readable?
**12:12**
